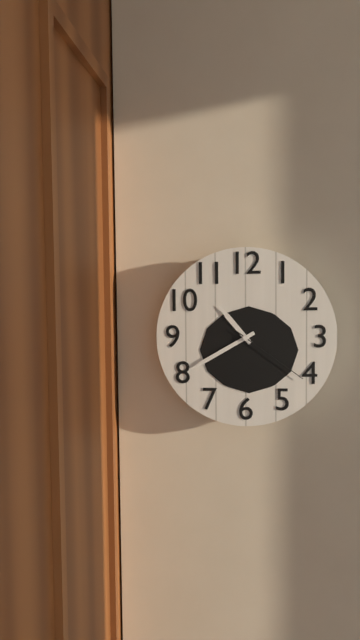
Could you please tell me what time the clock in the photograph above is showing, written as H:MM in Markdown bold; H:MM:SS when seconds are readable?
**10:40:21**
